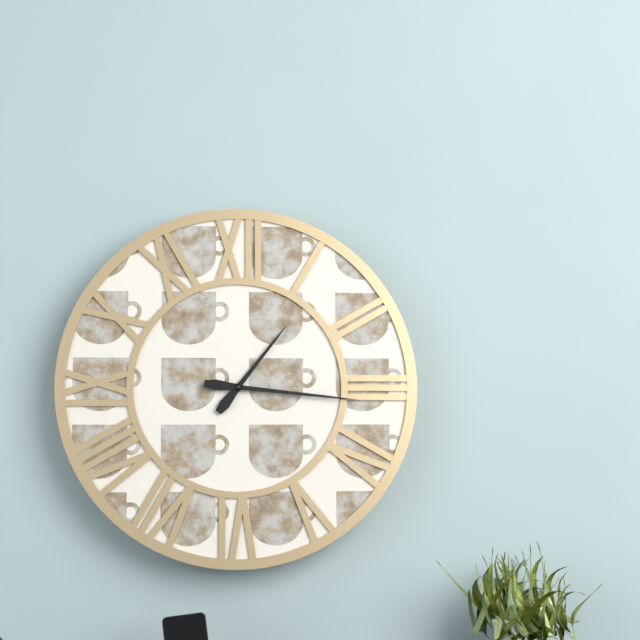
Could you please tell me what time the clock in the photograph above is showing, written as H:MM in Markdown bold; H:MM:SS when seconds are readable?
**1:16**
